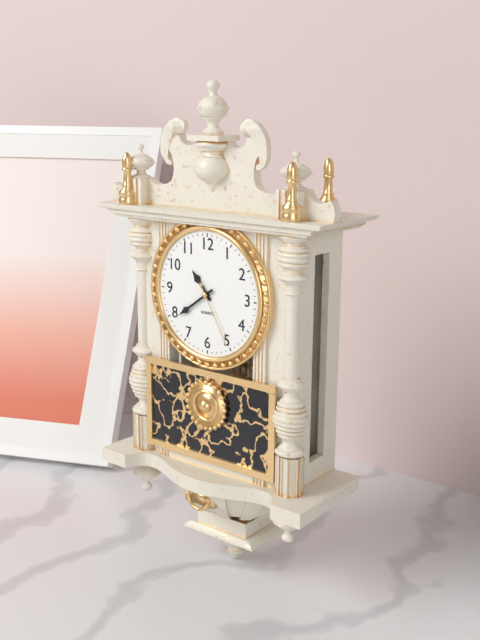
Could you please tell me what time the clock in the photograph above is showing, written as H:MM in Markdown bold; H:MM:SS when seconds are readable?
**10:39:25**
